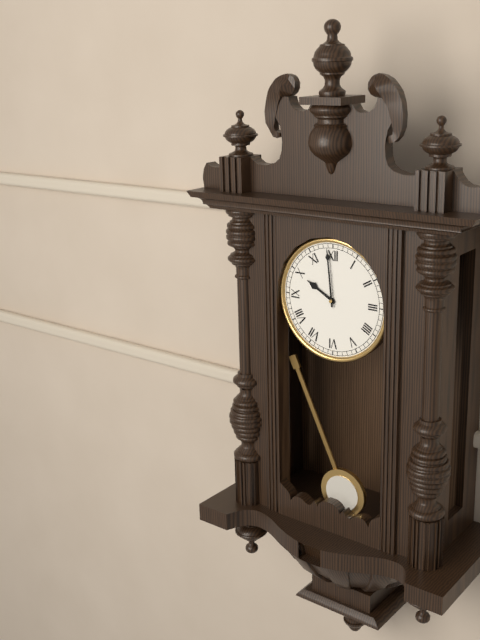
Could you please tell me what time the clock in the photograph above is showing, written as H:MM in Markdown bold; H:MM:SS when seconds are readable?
**9:59**
